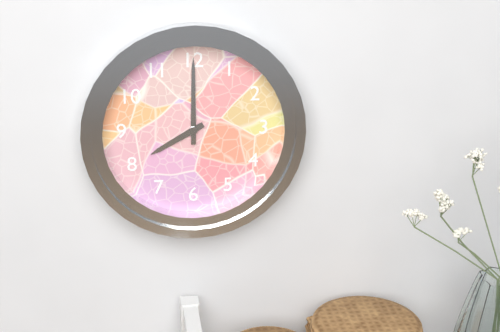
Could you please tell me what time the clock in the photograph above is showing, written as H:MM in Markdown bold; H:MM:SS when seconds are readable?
**8:00**
